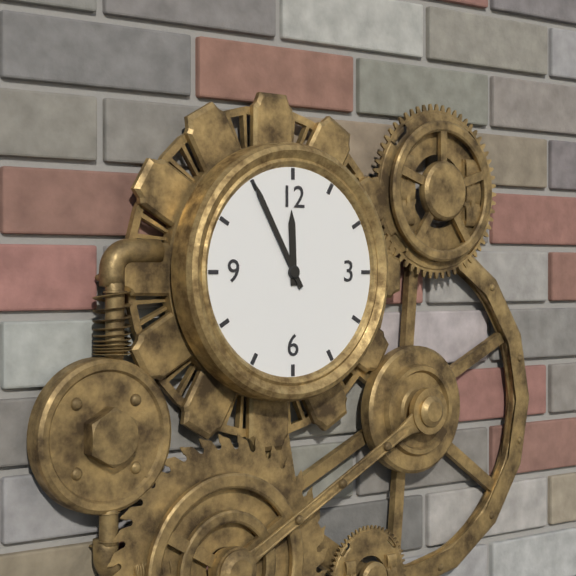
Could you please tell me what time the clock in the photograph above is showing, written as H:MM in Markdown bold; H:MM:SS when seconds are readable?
**11:55**
